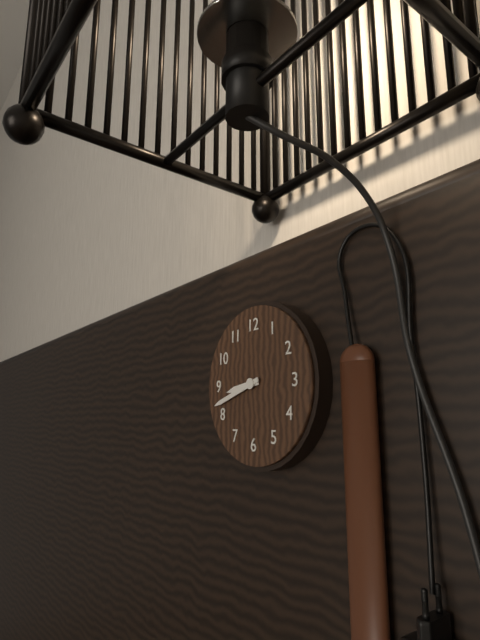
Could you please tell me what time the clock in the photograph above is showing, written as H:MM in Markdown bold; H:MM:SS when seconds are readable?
**8:42**
